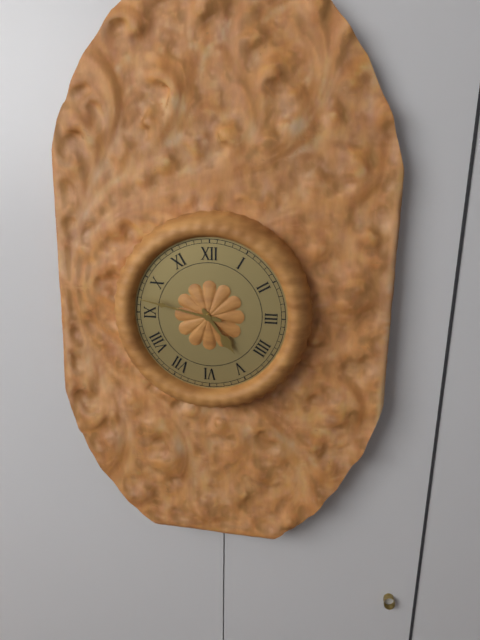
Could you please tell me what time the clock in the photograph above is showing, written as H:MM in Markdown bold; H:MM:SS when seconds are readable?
**4:47**
